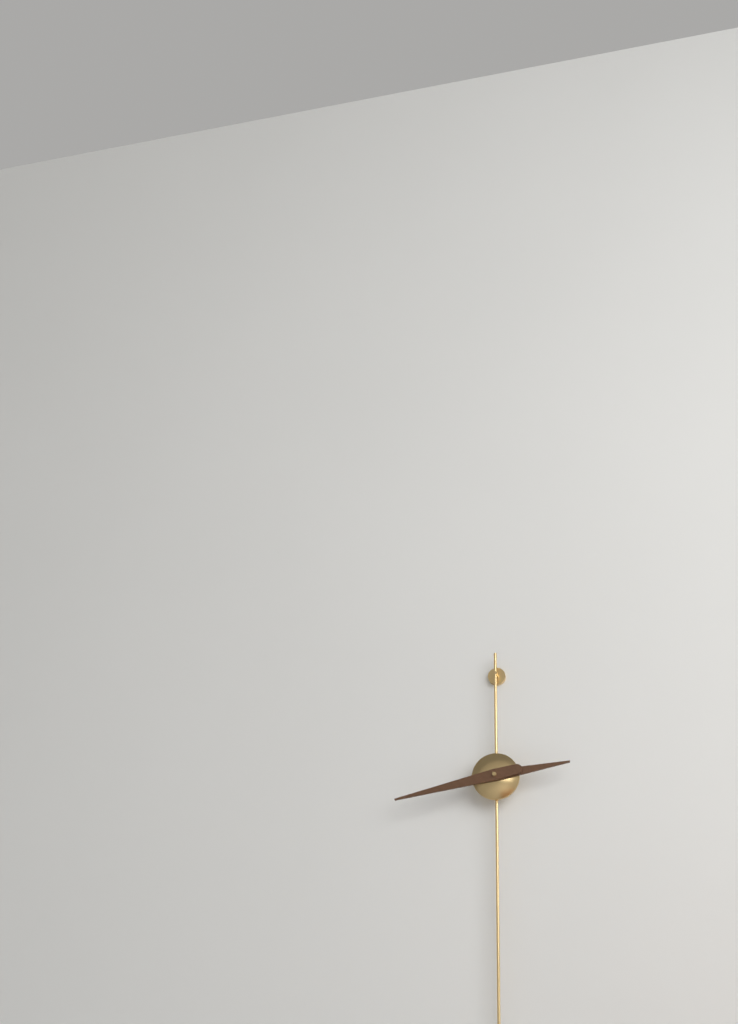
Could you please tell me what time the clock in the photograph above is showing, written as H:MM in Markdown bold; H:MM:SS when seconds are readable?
**2:43**
